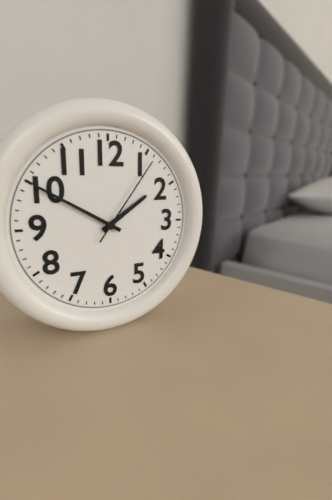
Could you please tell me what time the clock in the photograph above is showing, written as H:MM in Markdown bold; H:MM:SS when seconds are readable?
**1:50:06**
